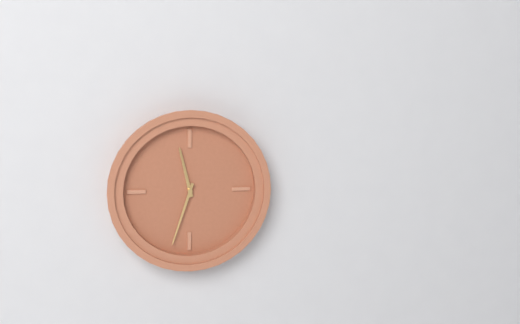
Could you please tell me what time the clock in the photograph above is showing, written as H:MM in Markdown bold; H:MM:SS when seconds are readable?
**11:33**
